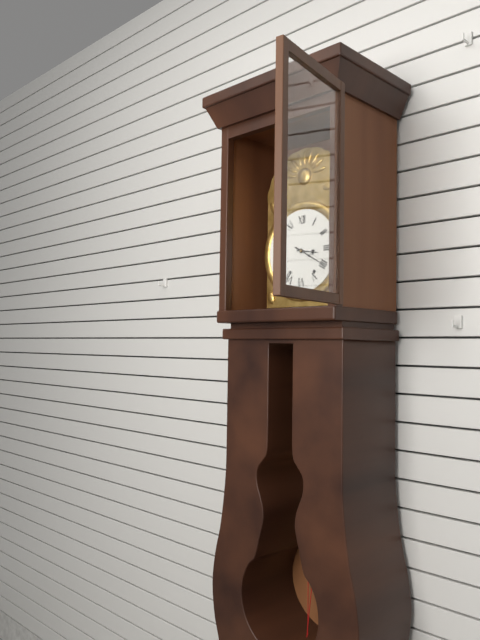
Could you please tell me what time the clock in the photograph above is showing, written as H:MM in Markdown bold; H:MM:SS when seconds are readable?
**3:20**
